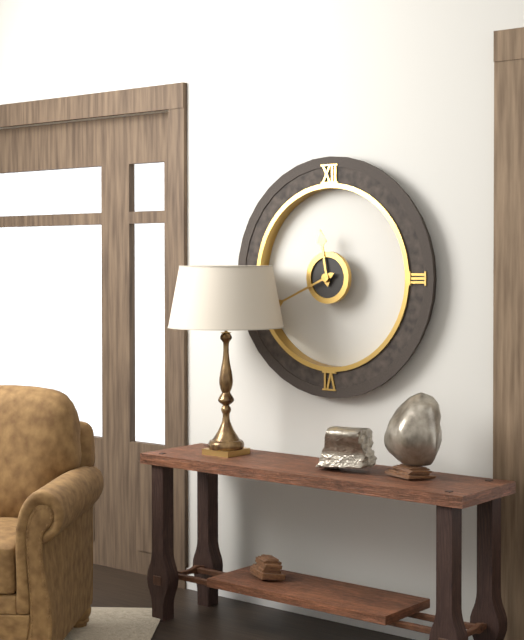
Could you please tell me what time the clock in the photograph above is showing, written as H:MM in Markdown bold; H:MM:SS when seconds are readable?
**11:41**
